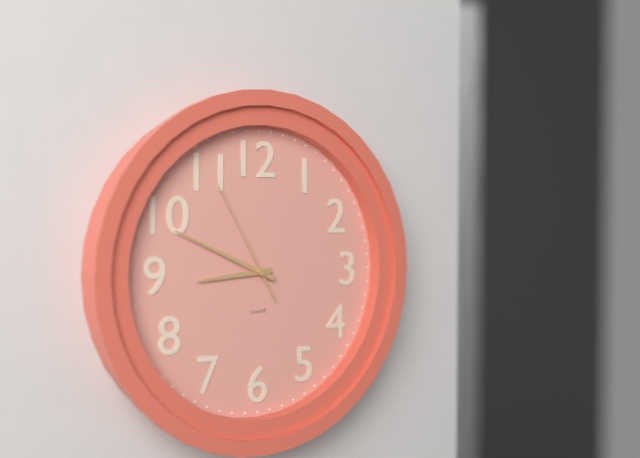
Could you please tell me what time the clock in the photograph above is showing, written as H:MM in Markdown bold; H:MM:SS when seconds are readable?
**8:49:55**
